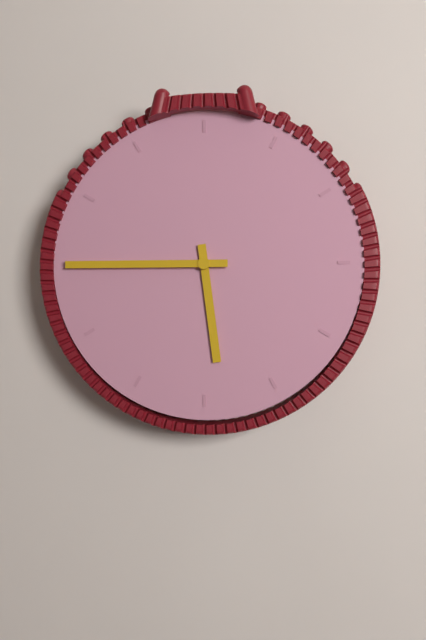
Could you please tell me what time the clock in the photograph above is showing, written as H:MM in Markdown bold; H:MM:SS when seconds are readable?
**5:45**
